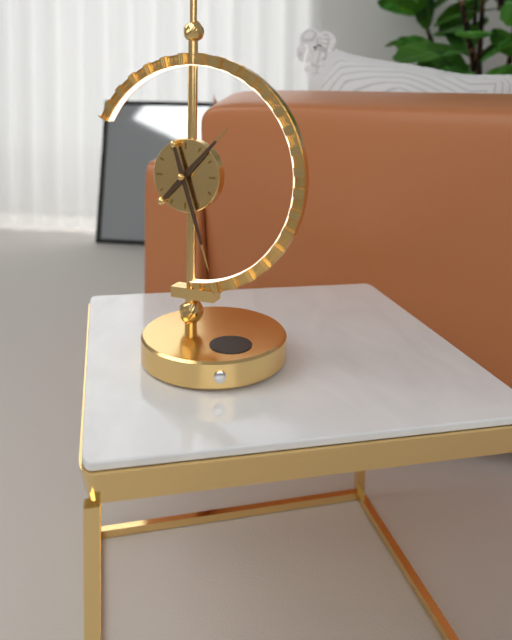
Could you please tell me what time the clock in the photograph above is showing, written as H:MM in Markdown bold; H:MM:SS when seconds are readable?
**1:27**
